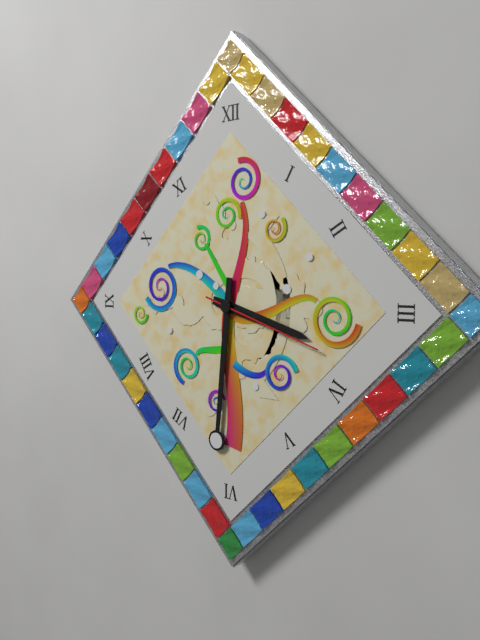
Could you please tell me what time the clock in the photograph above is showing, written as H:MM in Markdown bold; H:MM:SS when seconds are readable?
**3:31:18**
